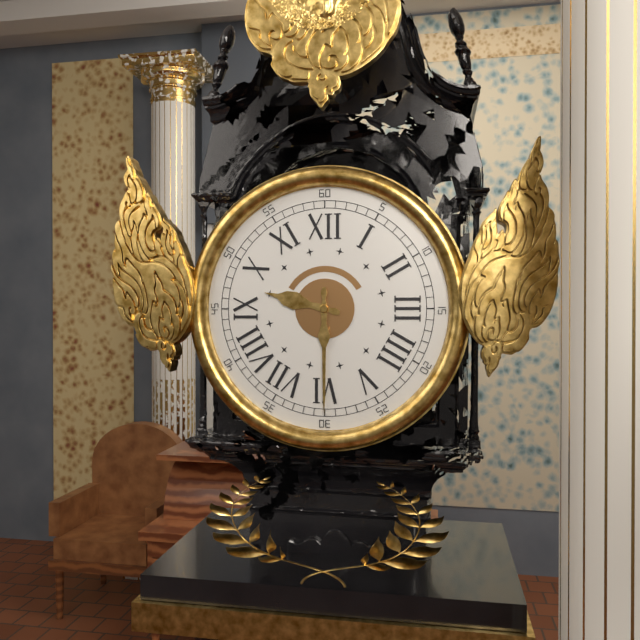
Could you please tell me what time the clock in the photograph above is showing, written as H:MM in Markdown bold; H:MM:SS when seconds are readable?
**9:30**
